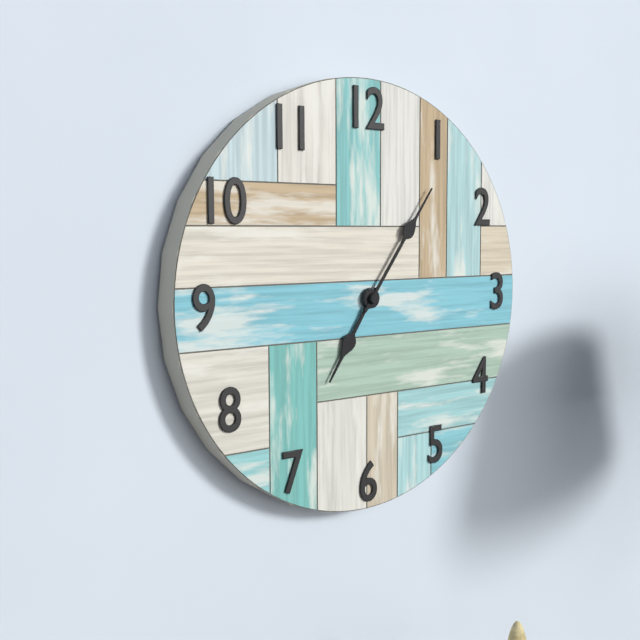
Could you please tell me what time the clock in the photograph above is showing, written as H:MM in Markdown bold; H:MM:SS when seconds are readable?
**7:06**
